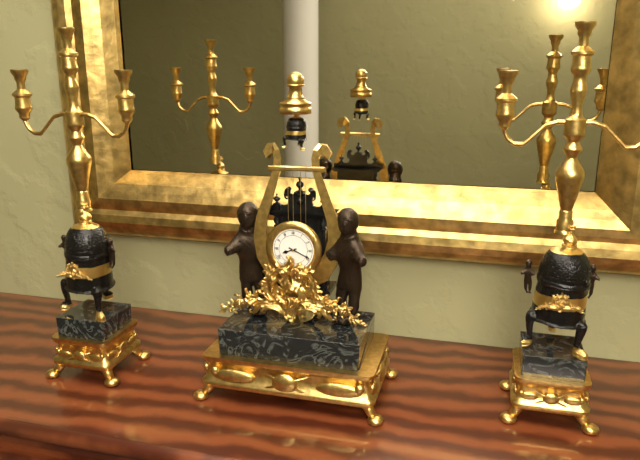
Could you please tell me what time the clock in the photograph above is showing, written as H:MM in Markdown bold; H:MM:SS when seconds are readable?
**8:19**
